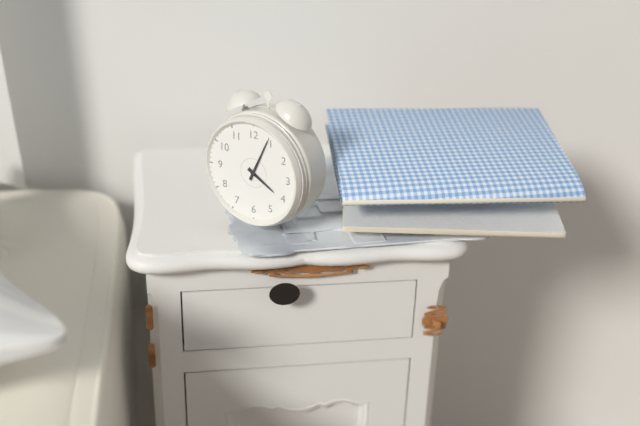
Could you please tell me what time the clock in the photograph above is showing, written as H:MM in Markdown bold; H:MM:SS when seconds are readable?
**4:04**
